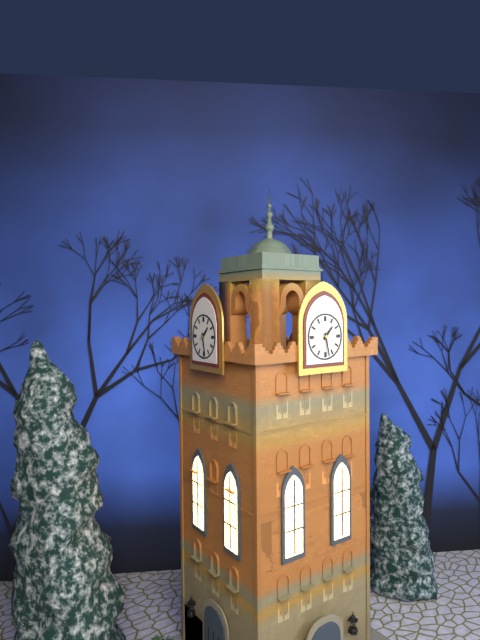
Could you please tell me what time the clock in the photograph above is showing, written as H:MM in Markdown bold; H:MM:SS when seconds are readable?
**1:28**
